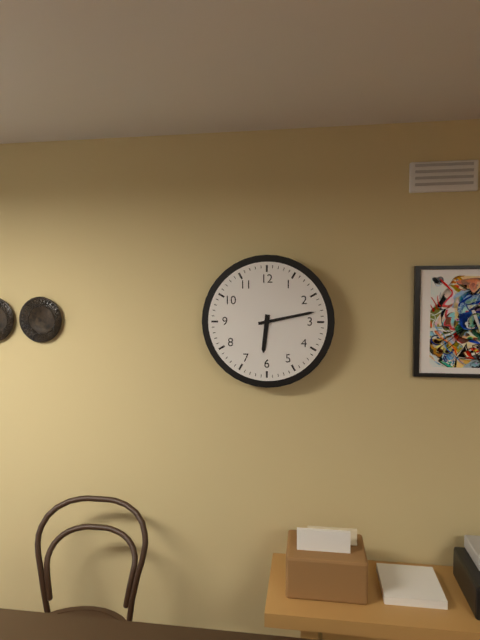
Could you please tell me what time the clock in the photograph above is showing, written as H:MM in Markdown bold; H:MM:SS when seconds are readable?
**6:13**
